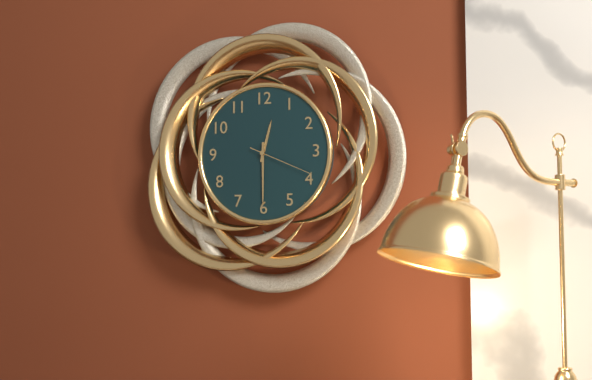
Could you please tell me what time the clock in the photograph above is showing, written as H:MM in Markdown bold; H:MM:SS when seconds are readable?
**12:30:19**
